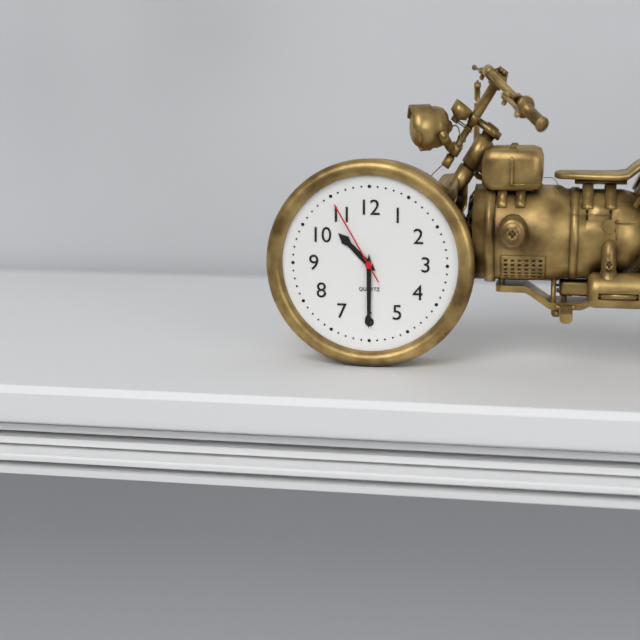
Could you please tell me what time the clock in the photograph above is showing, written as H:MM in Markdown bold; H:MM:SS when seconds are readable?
**10:30:55**
